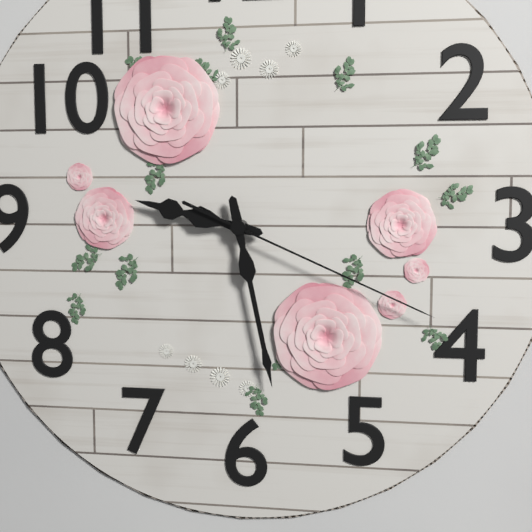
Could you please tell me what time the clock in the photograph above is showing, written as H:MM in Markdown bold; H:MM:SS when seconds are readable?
**9:28:19**
